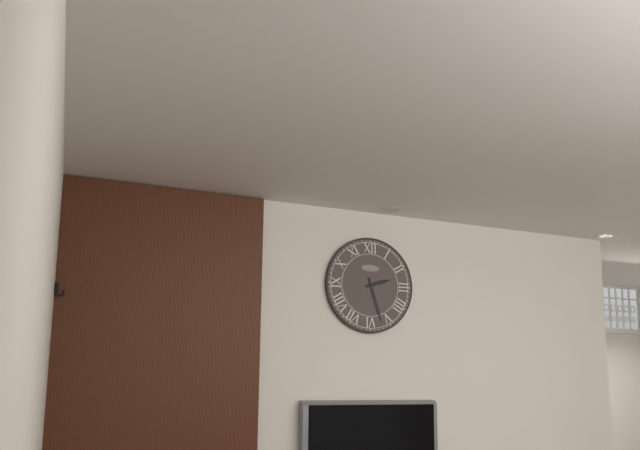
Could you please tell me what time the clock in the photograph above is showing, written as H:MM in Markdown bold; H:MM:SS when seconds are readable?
**2:27**
